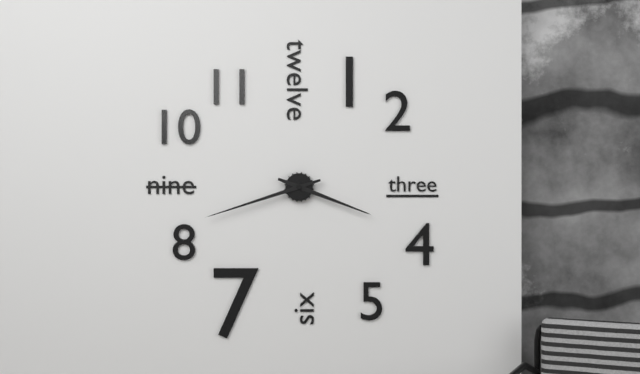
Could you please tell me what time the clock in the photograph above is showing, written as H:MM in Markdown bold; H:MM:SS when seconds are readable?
**3:42**
